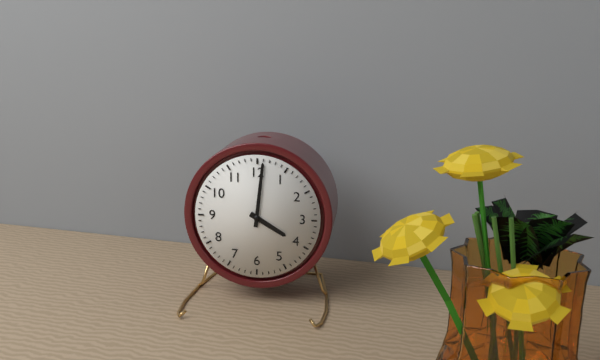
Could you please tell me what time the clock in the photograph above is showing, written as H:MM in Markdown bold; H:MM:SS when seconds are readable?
**4:01**
